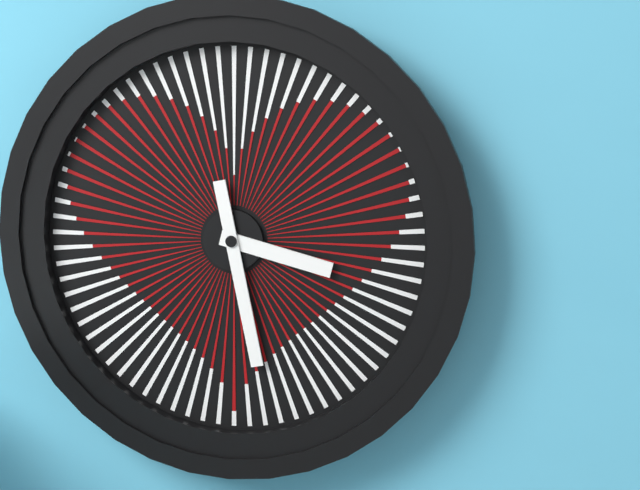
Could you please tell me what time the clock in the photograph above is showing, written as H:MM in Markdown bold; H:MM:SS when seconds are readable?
**3:28**
